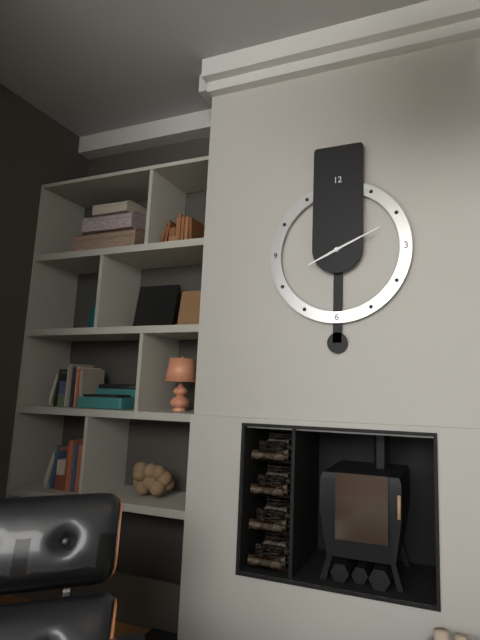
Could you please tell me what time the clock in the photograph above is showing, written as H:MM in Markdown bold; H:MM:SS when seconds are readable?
**8:11**
